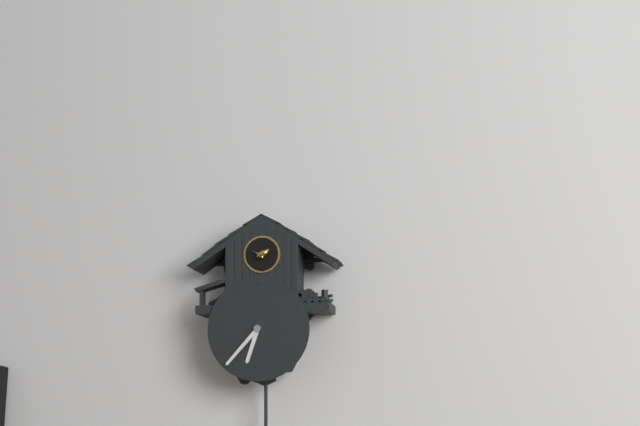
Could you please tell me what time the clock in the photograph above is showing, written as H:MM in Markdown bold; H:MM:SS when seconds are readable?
**6:37**
